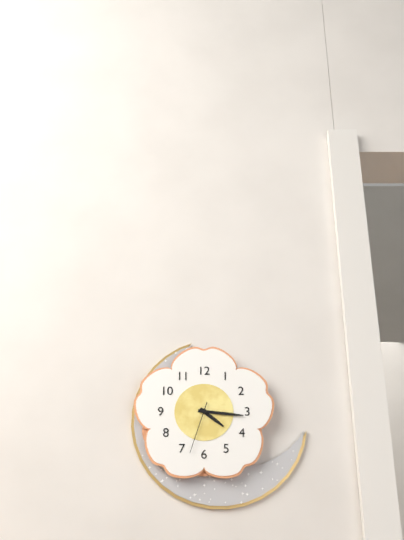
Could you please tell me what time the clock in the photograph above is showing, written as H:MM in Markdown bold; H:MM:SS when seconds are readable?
**4:16:33**
